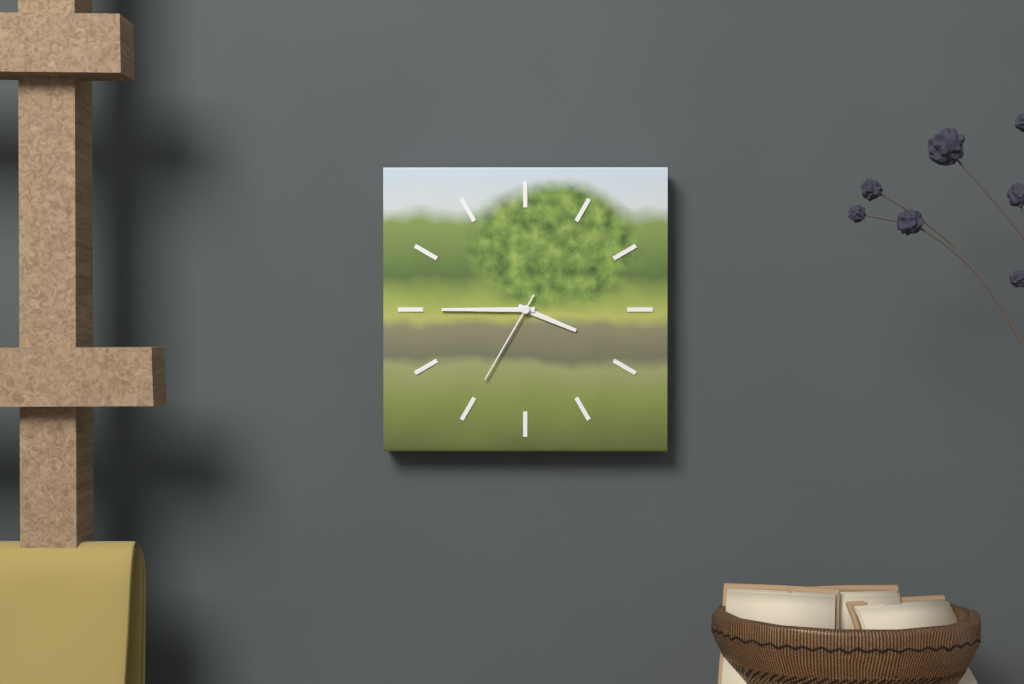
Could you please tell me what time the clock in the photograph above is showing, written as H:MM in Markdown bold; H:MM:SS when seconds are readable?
**3:45:35**
